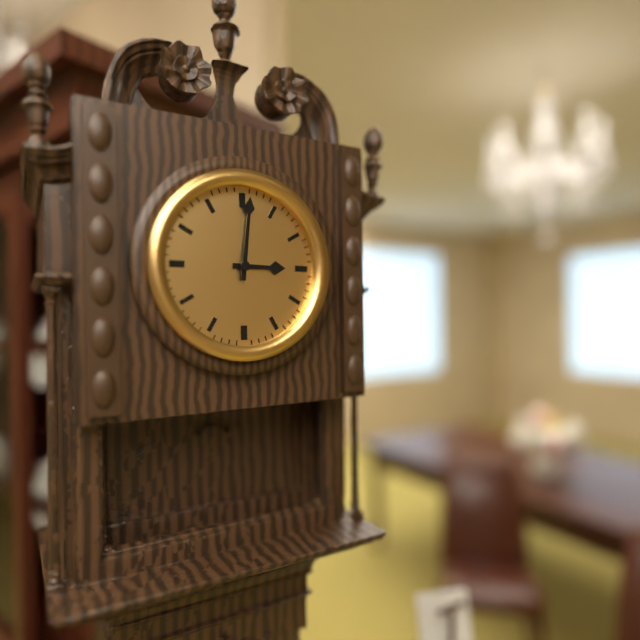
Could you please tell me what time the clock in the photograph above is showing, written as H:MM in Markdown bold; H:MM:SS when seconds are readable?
**3:01**
